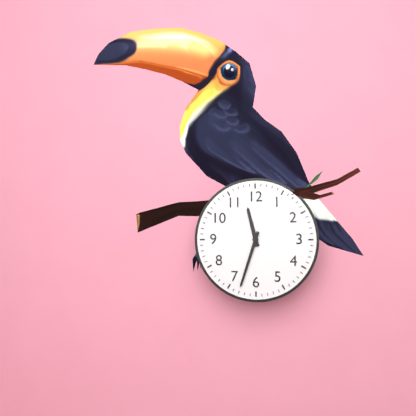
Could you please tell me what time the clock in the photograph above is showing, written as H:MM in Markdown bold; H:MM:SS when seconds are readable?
**11:33**
